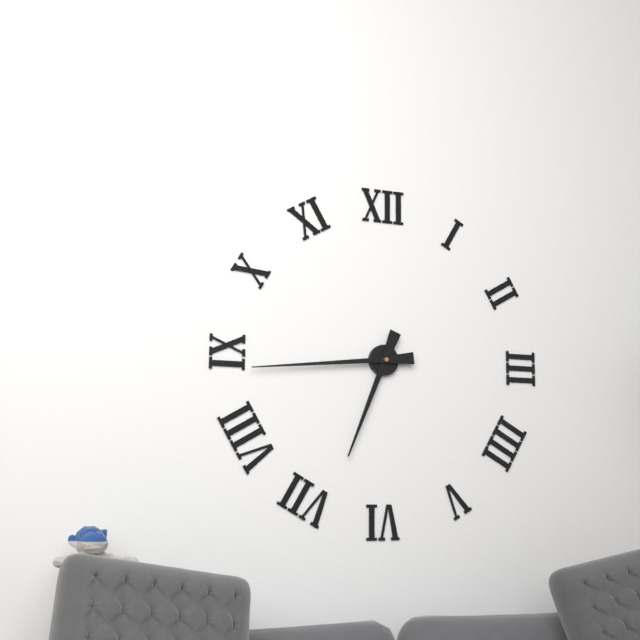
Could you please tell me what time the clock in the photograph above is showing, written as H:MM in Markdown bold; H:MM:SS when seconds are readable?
**6:44**
